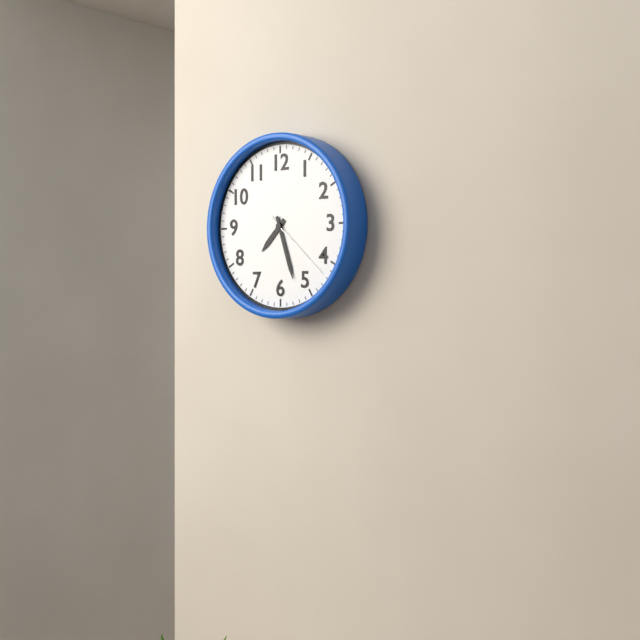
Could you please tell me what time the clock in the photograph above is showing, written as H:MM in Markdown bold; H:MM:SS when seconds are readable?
**7:27:22**
